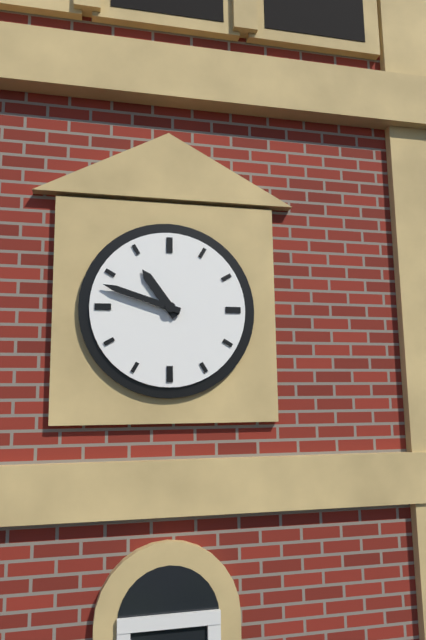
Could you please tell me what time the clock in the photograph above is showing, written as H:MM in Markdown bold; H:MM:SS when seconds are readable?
**10:48**
